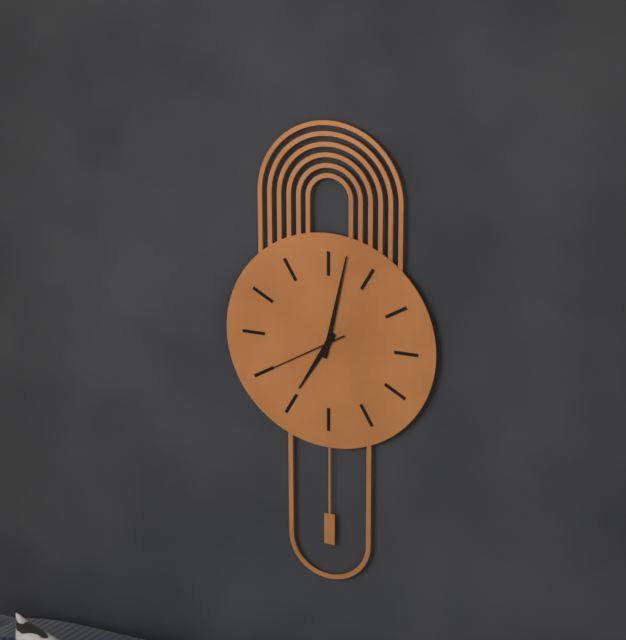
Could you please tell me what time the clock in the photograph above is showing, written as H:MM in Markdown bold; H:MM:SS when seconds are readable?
**7:02:40**
